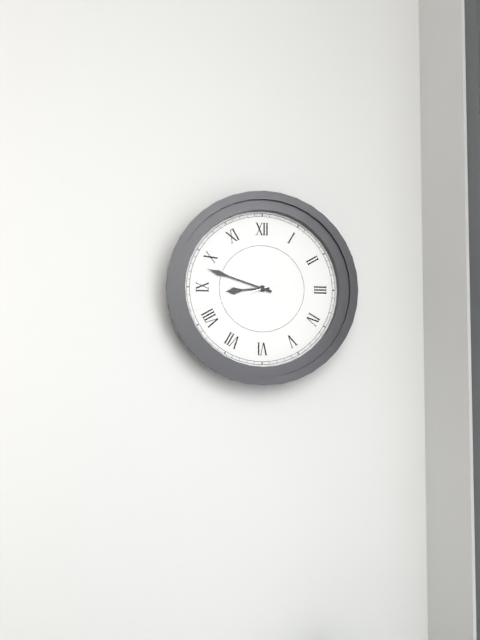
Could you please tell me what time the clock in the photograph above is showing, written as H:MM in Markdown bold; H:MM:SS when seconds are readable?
**8:48:42**
